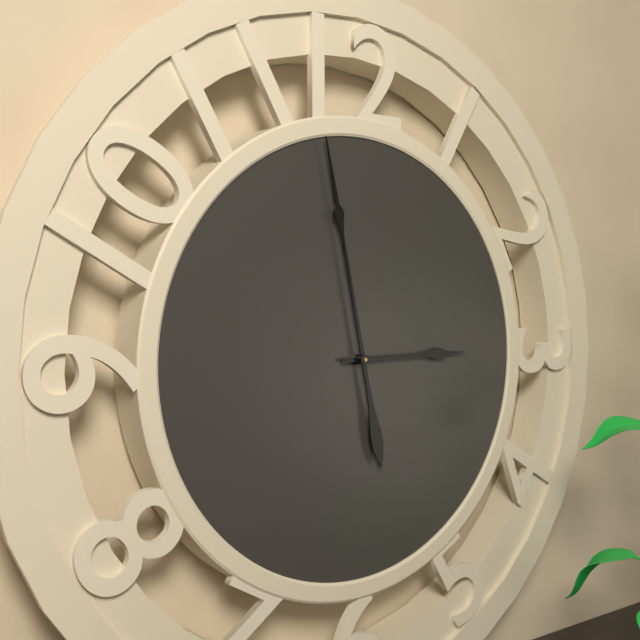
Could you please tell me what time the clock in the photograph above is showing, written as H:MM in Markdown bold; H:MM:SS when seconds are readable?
**2:58**
